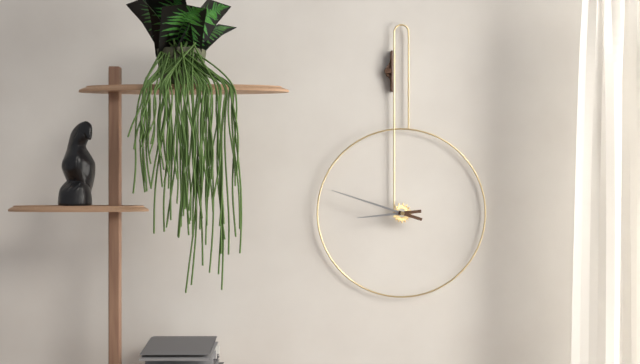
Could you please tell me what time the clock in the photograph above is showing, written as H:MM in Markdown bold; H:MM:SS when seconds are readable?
**8:48**
